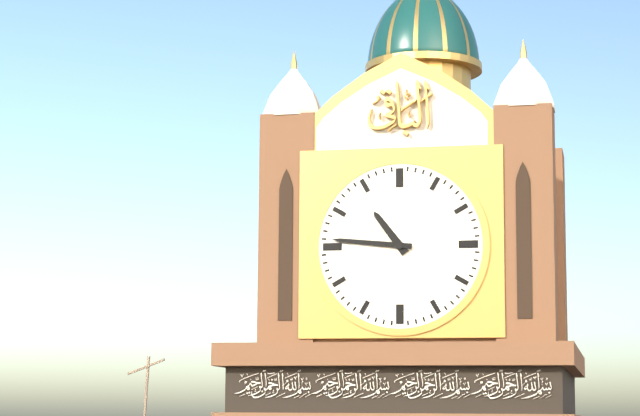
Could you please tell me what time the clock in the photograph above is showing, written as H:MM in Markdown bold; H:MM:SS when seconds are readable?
**10:46**
